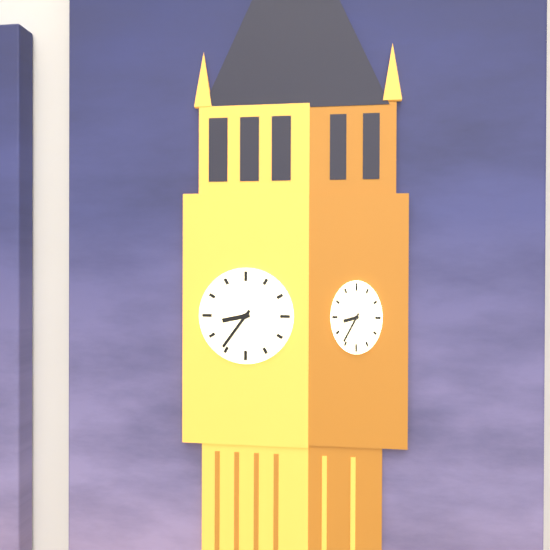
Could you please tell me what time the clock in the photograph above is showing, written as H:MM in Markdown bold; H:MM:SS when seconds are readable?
**8:36**
